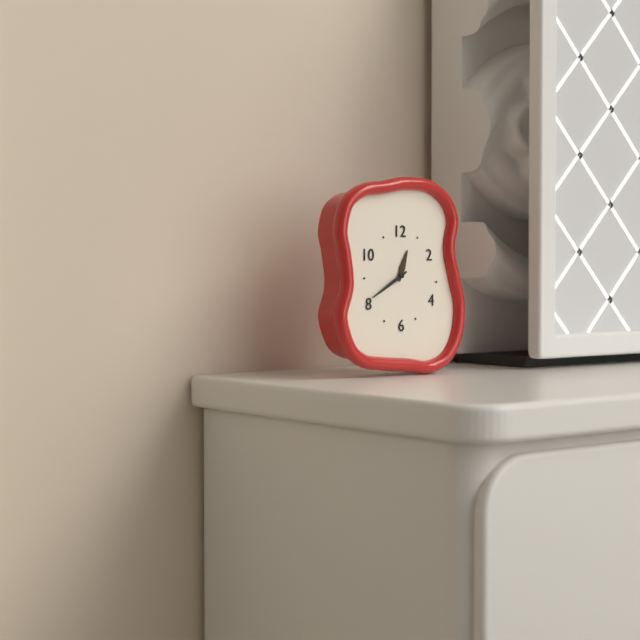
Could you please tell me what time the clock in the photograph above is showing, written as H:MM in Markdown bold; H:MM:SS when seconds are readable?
**12:40**
